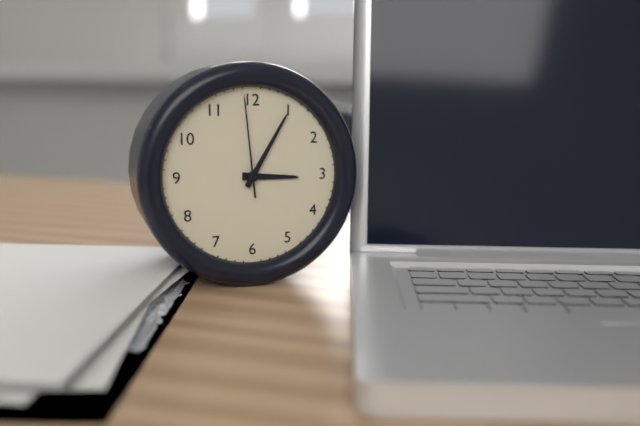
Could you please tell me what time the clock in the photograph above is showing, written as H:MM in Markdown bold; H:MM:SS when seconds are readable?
**3:05:59**
